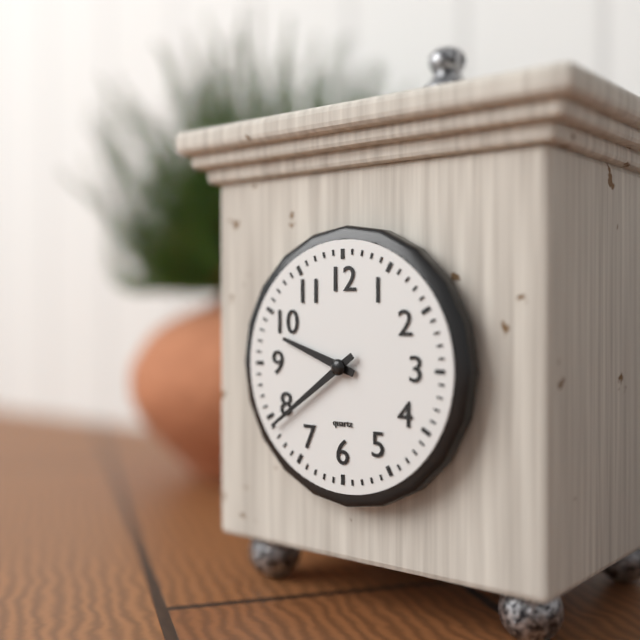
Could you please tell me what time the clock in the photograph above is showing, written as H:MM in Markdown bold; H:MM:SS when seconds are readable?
**9:39**
